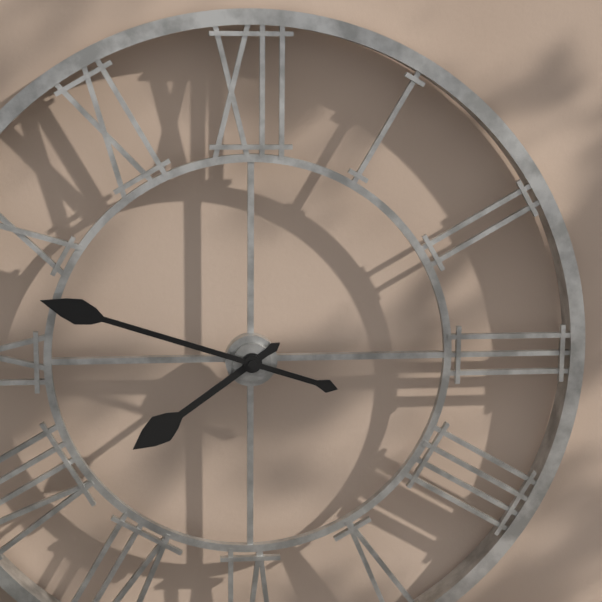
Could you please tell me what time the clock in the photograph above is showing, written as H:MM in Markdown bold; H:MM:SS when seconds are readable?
**7:48**
